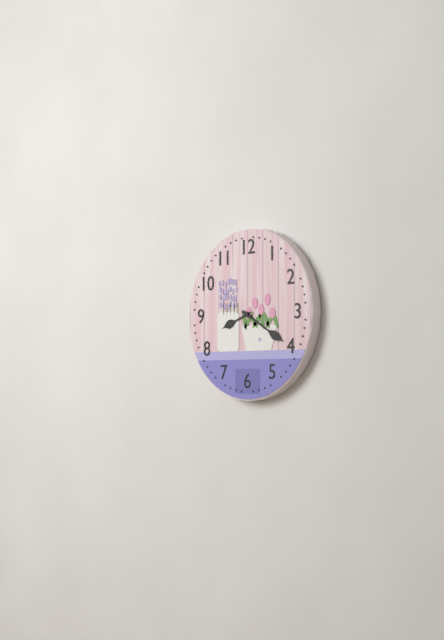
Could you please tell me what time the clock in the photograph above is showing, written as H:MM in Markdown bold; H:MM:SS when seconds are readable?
**8:20**
